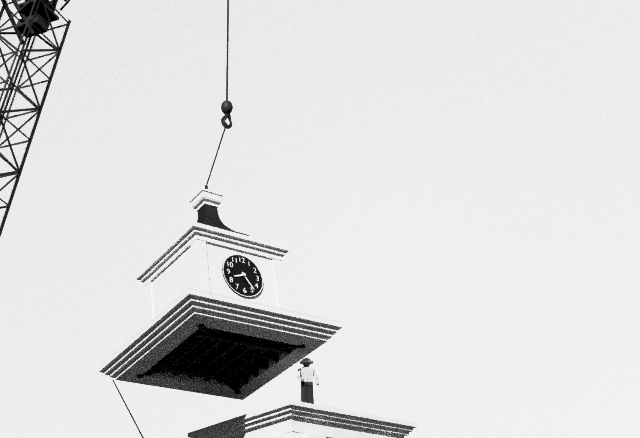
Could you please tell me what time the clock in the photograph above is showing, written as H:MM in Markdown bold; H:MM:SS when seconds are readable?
**8:24**
